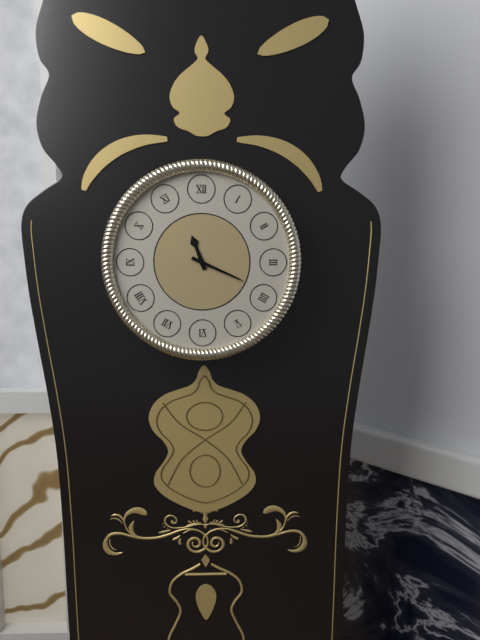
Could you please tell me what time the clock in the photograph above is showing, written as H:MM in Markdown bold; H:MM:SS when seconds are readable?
**11:19**
